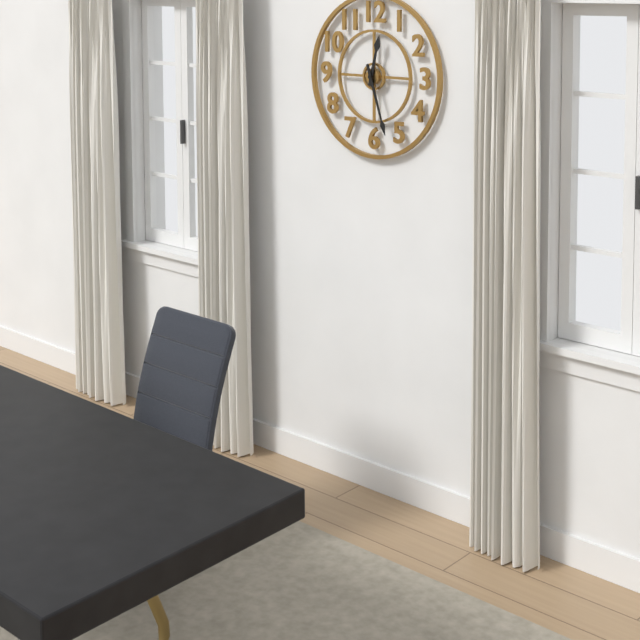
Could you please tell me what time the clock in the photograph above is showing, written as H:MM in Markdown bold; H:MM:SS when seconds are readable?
**12:27**
